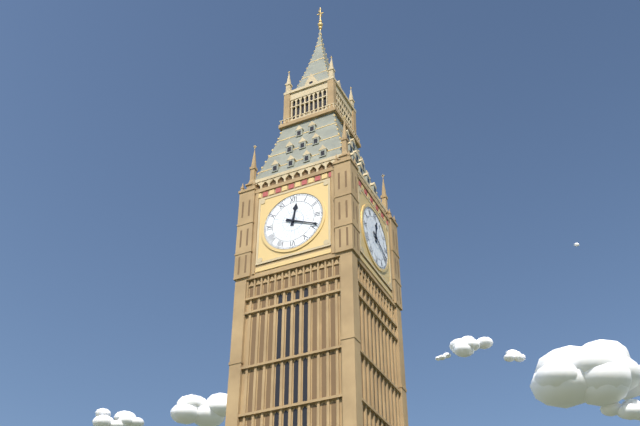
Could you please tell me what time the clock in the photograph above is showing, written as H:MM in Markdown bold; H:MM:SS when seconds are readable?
**12:19**
